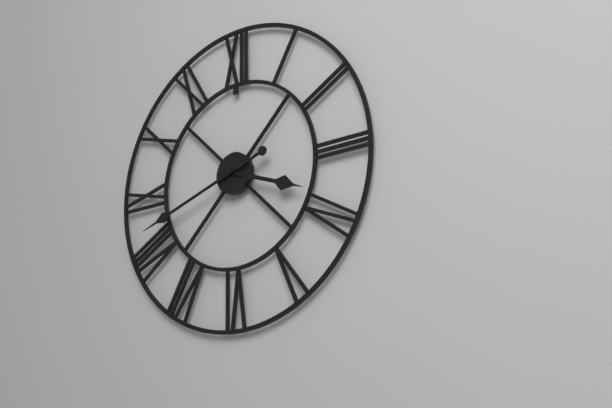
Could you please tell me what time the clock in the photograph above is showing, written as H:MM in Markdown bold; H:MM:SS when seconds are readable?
**3:42**
